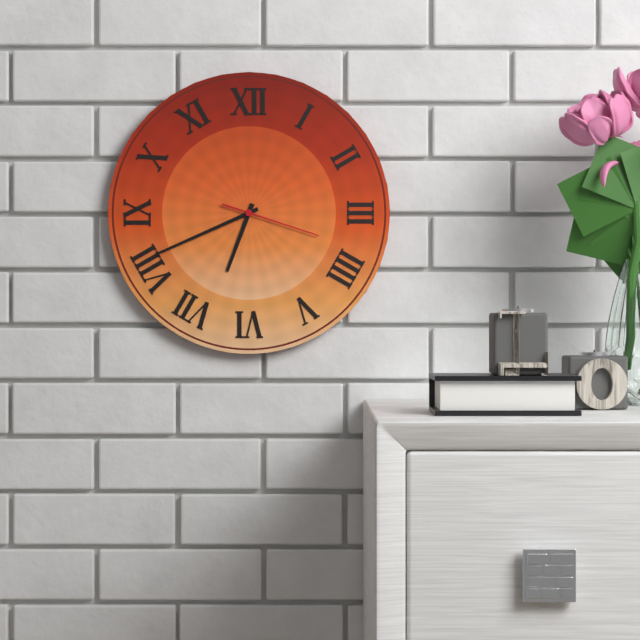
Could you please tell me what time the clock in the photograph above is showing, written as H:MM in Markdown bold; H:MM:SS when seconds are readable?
**6:41:18**
